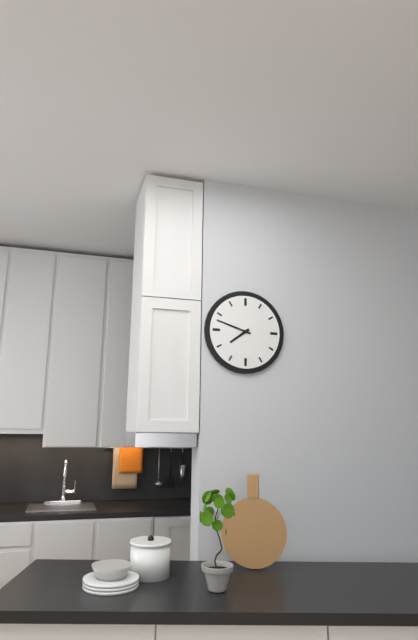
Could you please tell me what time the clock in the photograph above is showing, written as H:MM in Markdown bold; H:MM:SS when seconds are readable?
**7:48**
